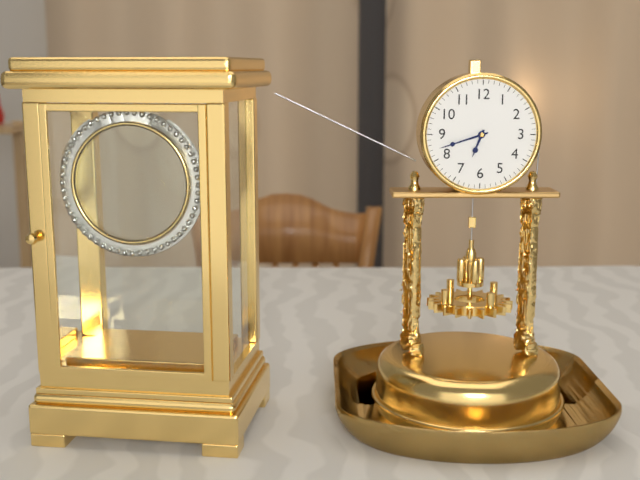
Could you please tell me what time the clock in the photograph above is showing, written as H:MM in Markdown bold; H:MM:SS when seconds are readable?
**6:42**
